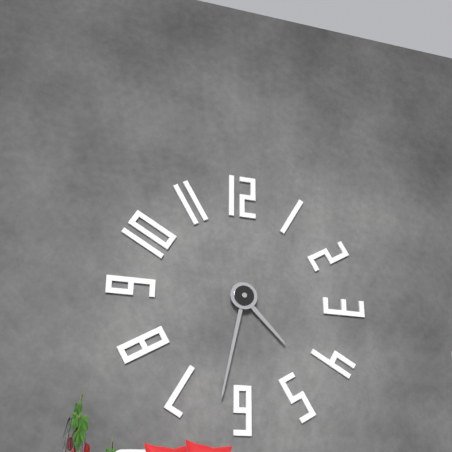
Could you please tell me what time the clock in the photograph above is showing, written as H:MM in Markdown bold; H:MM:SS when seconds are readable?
**4:32**
